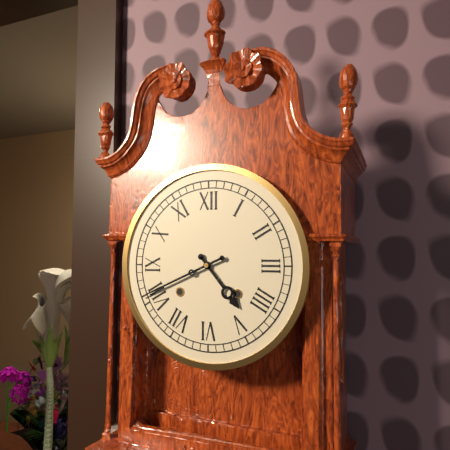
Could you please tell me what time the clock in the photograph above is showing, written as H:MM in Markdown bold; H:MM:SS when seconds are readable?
**4:41**
